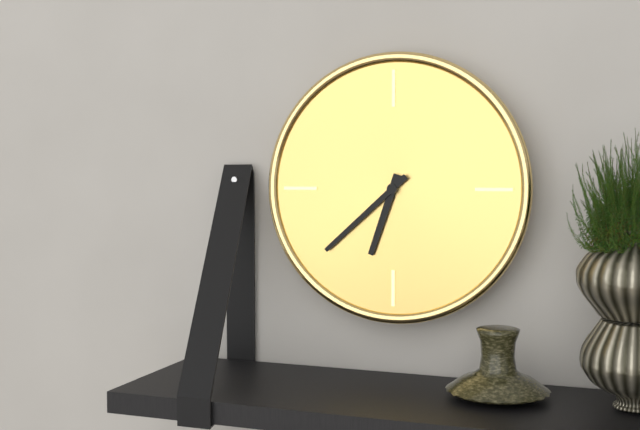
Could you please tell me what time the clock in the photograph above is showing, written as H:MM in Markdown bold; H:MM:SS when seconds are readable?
**6:38**
